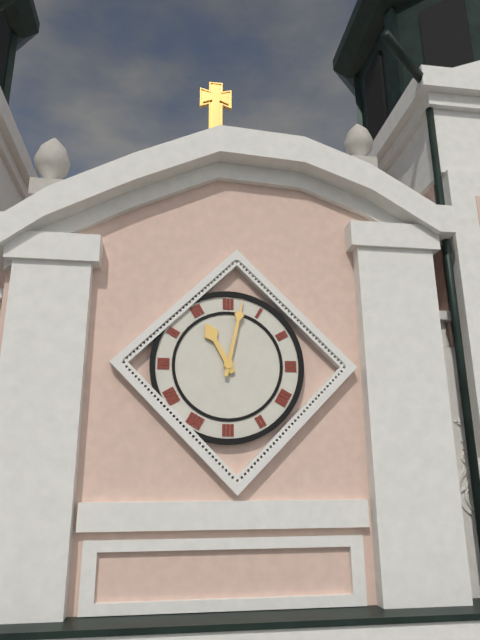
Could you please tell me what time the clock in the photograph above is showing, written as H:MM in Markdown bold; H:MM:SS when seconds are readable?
**11:02**
